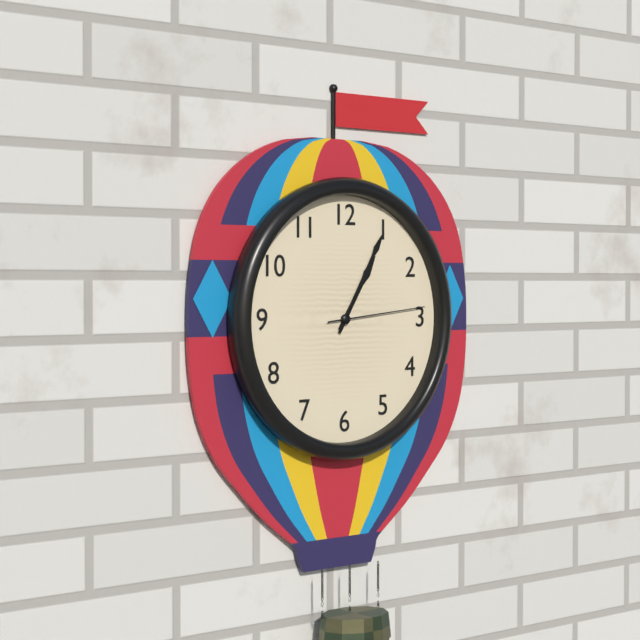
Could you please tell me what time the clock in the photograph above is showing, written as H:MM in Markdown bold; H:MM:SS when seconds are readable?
**1:05:14**
